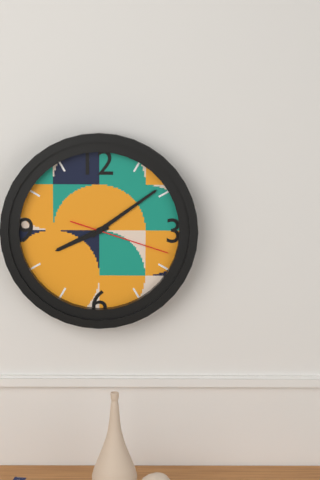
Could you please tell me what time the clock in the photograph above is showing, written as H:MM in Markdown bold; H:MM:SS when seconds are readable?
**8:09:18**
